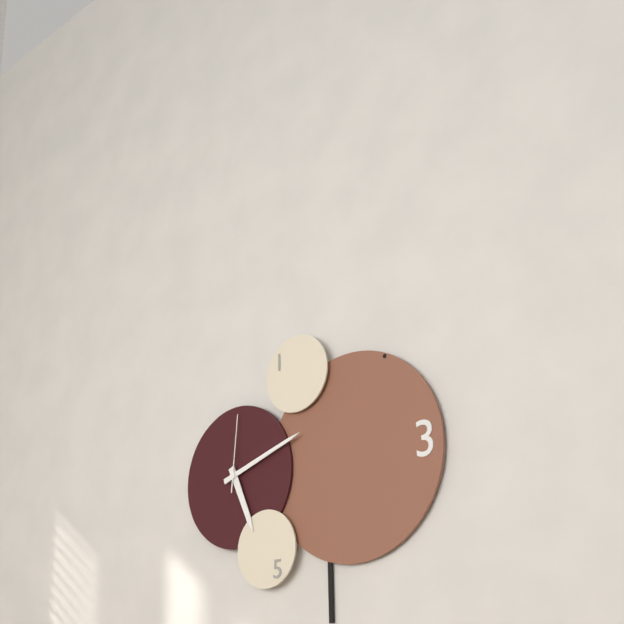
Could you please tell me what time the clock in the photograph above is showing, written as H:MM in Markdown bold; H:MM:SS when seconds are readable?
**5:12:01**
